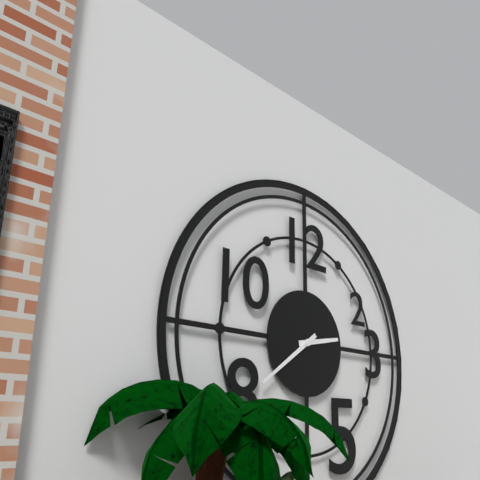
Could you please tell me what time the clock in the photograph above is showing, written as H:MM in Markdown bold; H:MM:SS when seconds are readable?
**2:39**
